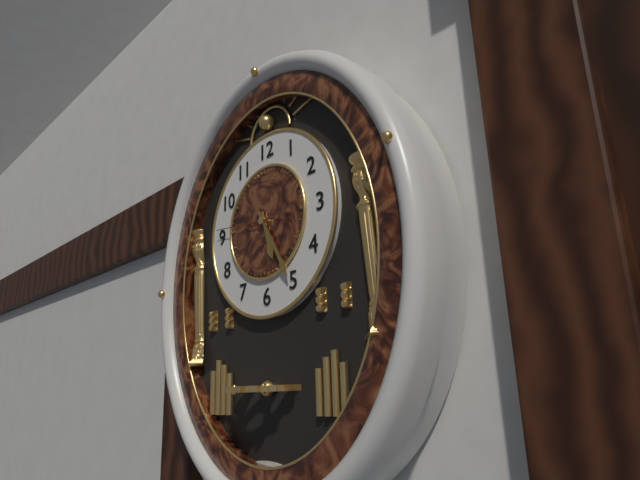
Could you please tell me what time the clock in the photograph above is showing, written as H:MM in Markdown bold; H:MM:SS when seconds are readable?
**5:25:46**
